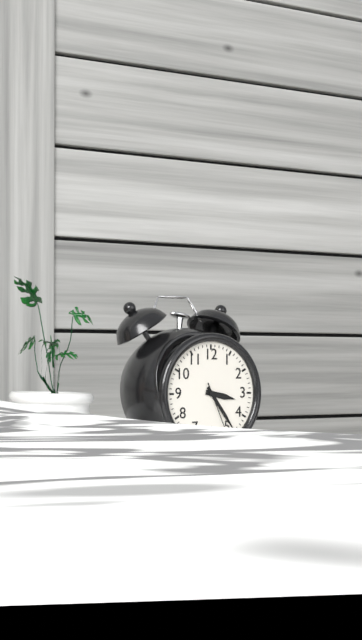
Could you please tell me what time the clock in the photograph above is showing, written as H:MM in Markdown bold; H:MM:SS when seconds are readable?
**3:24:26**
